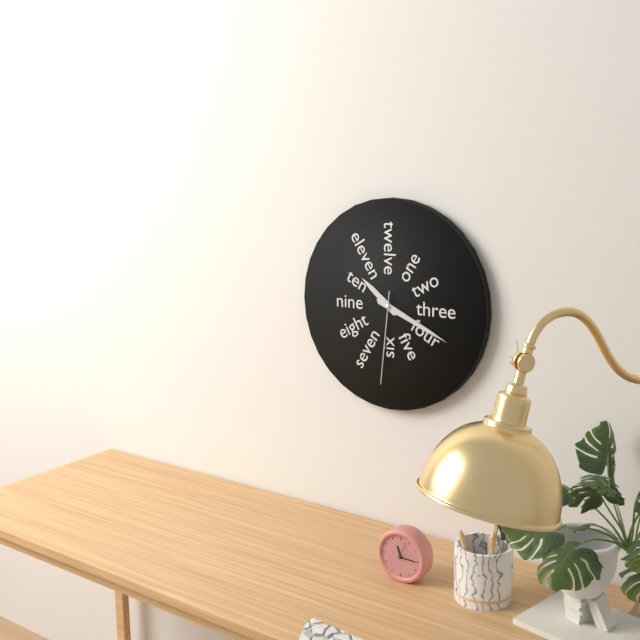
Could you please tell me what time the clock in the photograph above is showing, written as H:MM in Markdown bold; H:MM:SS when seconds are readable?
**10:19:31**
